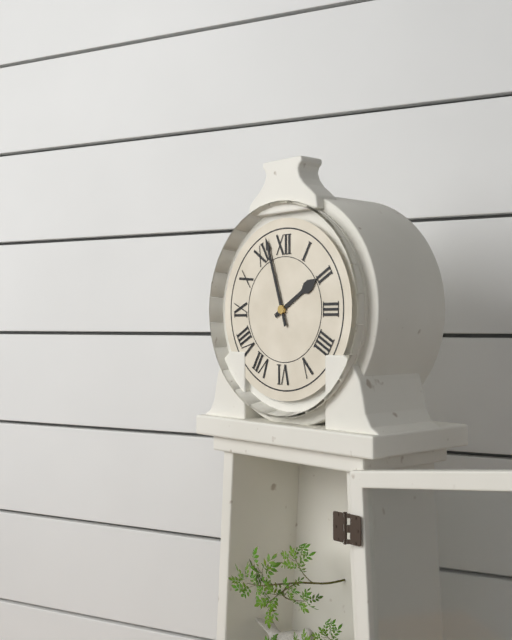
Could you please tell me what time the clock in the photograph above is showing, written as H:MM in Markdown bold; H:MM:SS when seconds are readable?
**1:57**
